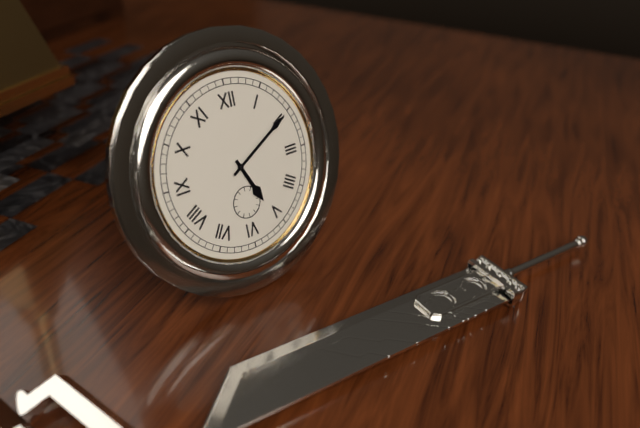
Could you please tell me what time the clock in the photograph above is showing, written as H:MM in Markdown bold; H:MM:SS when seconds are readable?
**5:10**
